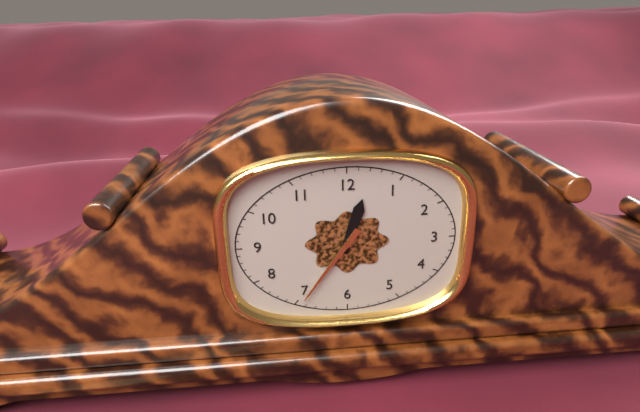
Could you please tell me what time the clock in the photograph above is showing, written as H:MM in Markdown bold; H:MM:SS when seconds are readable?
**12:36**
